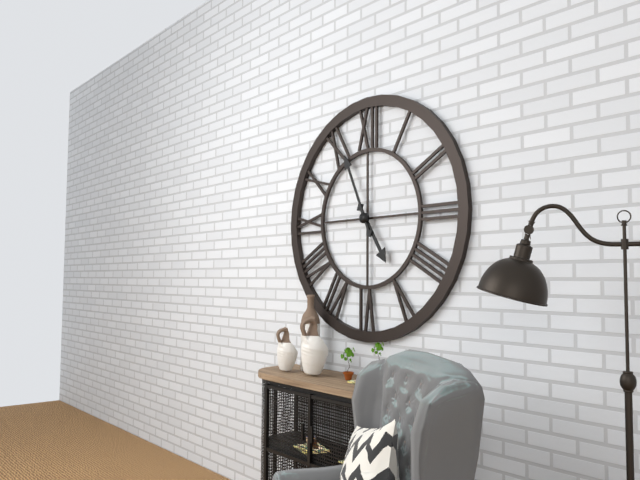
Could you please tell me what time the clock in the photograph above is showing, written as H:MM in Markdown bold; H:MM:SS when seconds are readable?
**4:56**
